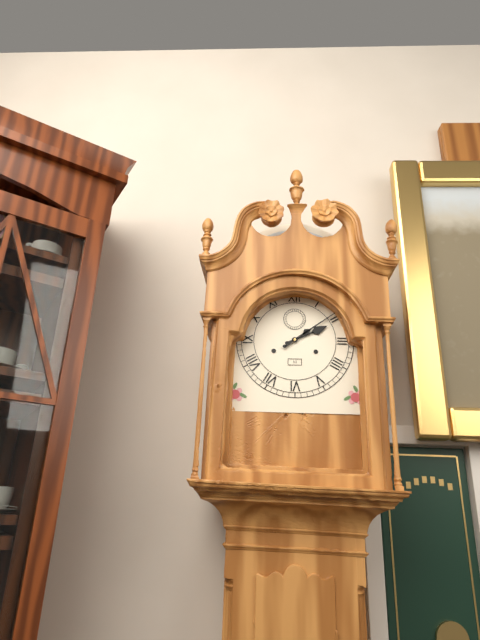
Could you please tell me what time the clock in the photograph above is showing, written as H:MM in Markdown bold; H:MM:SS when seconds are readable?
**2:09**
